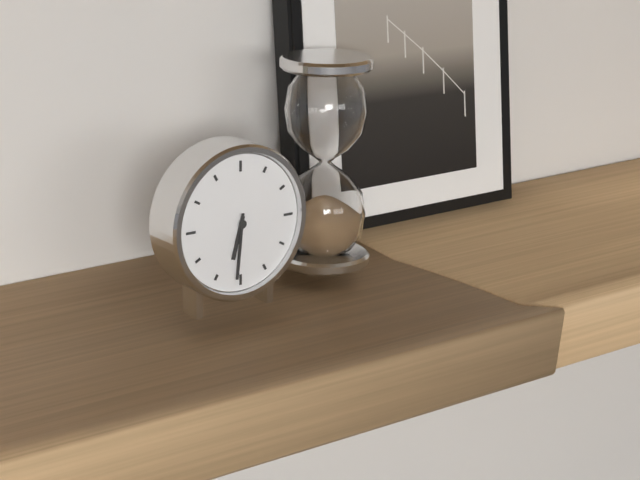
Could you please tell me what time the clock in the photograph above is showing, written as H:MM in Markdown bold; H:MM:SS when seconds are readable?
**6:31**
